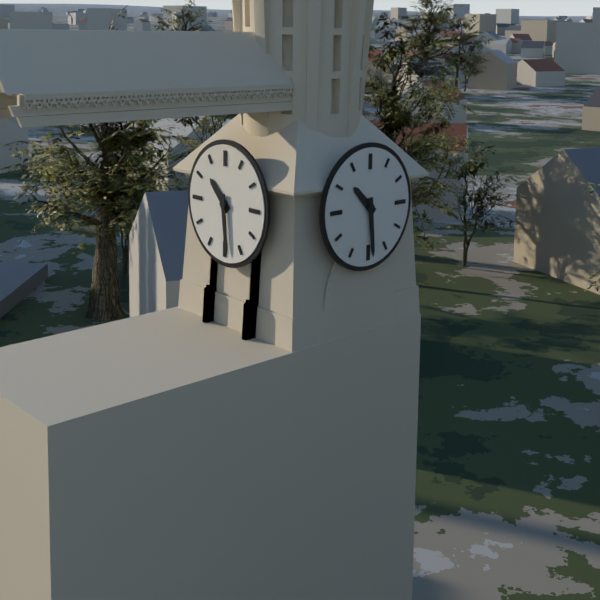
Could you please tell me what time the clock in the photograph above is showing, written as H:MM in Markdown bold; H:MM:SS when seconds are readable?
**10:29**
